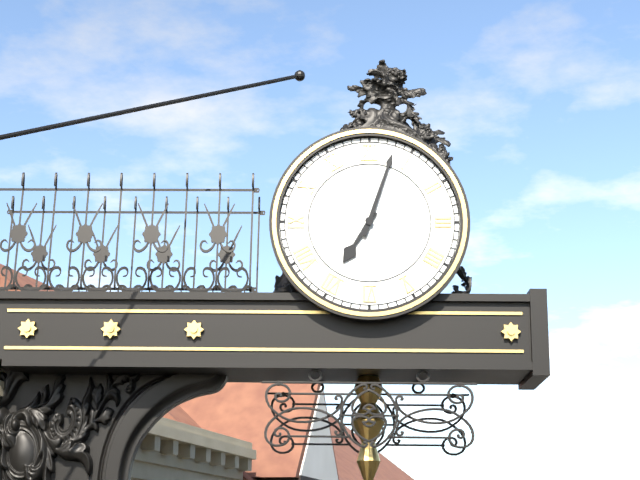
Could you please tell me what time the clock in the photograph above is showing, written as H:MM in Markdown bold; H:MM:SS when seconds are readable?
**7:03**
